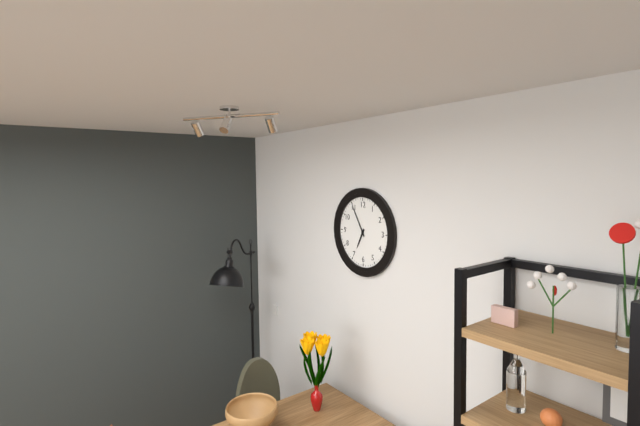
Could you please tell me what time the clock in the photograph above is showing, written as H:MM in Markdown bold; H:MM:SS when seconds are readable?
**6:55**
